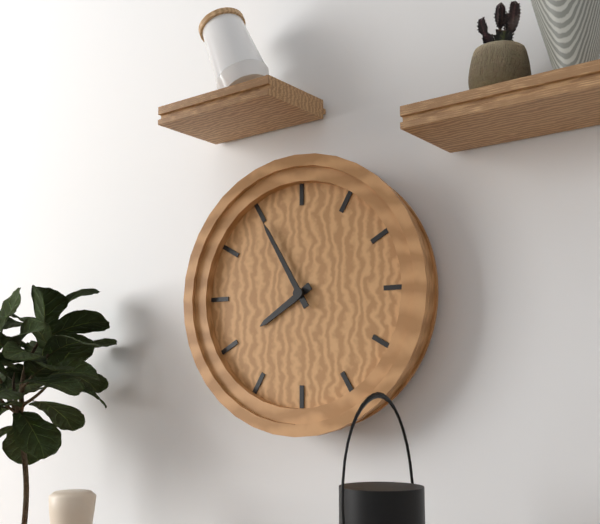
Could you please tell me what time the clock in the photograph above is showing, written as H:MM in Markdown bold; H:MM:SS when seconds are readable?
**7:55**
